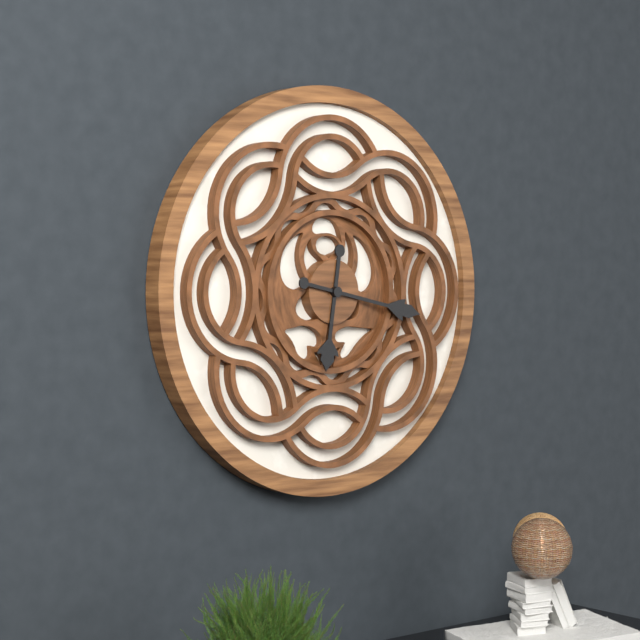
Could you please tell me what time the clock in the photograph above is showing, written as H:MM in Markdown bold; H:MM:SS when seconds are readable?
**6:17**
